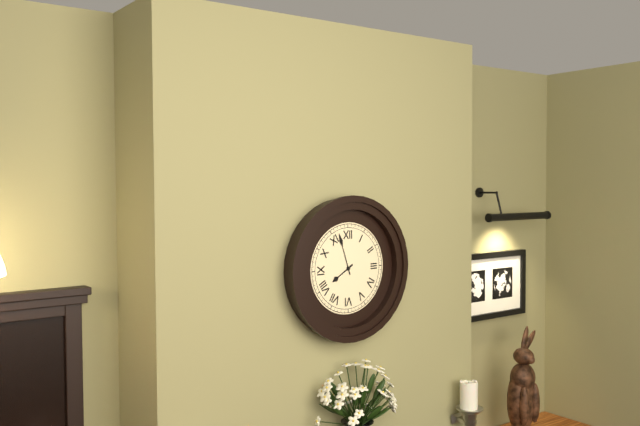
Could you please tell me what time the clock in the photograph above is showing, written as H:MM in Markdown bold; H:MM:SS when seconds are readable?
**7:57**
